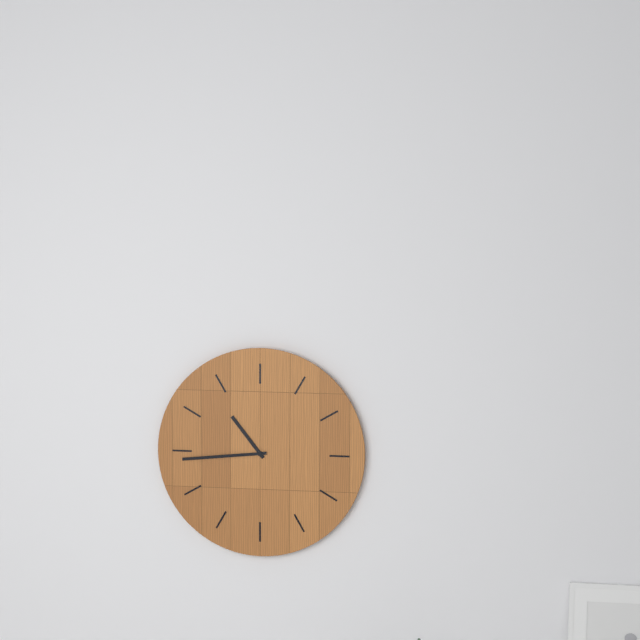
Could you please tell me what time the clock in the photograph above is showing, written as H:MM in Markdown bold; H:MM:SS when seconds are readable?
**10:44**
